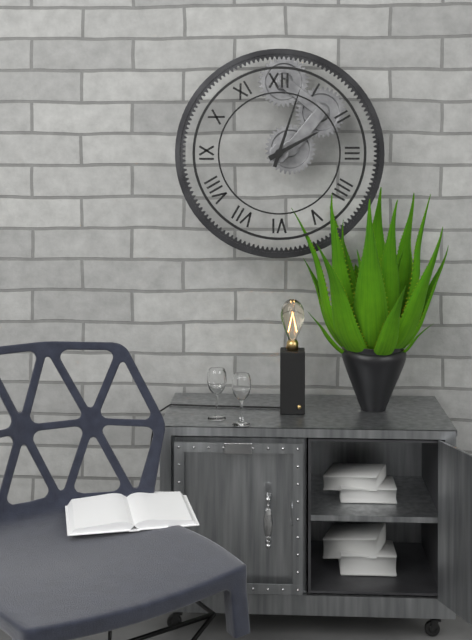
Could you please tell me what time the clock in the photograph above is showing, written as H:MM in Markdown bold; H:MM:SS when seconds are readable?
**2:03**
